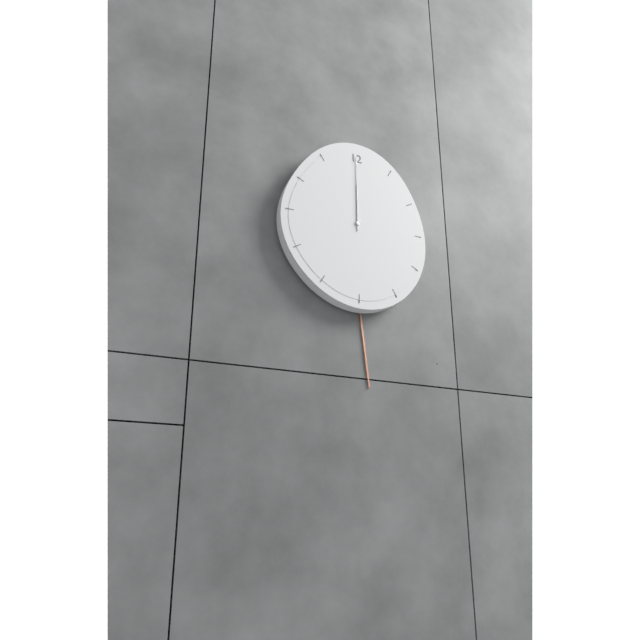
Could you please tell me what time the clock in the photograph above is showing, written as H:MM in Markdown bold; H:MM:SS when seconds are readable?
**12:00:29**
